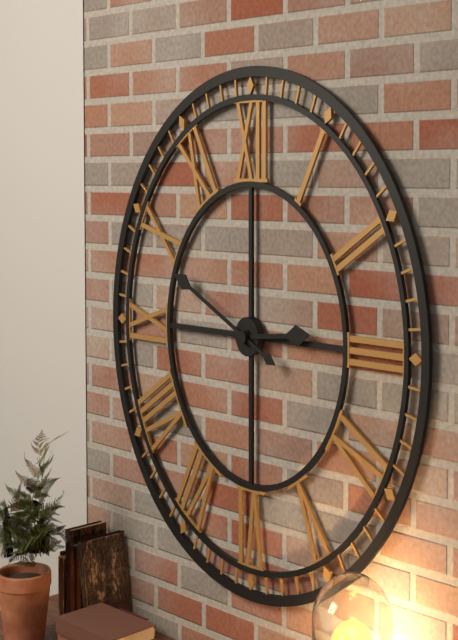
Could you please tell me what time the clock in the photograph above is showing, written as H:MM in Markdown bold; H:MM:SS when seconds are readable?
**2:49**
